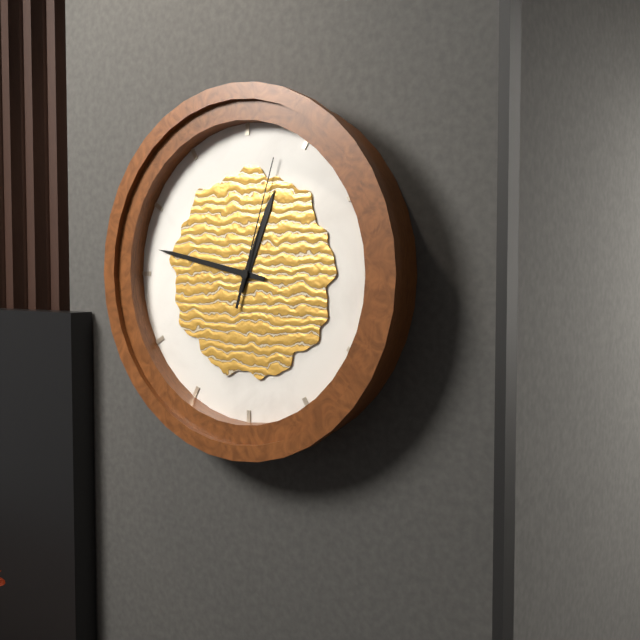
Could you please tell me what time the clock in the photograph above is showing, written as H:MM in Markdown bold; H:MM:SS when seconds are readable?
**12:47:03**
